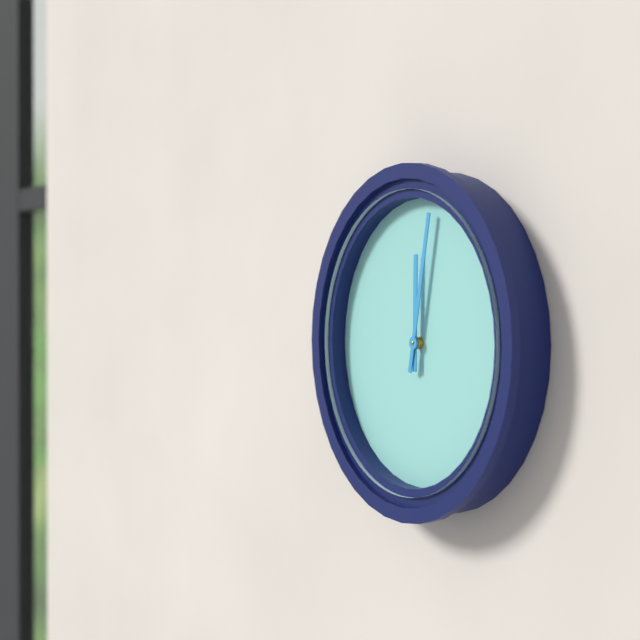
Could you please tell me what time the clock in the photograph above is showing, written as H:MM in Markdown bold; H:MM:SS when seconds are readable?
**12:02**
